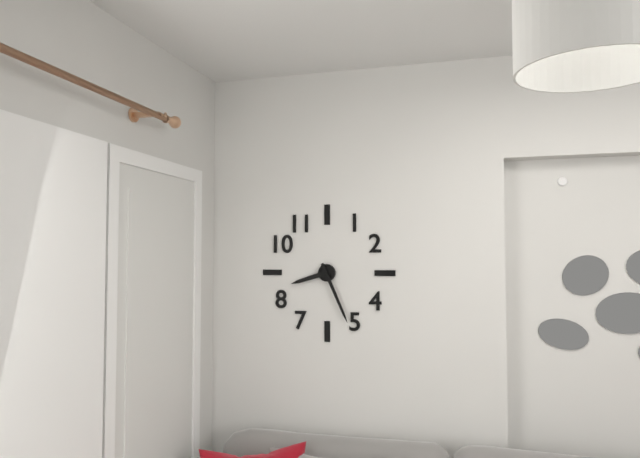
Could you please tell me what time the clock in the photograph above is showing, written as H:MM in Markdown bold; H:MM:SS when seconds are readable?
**8:26**
